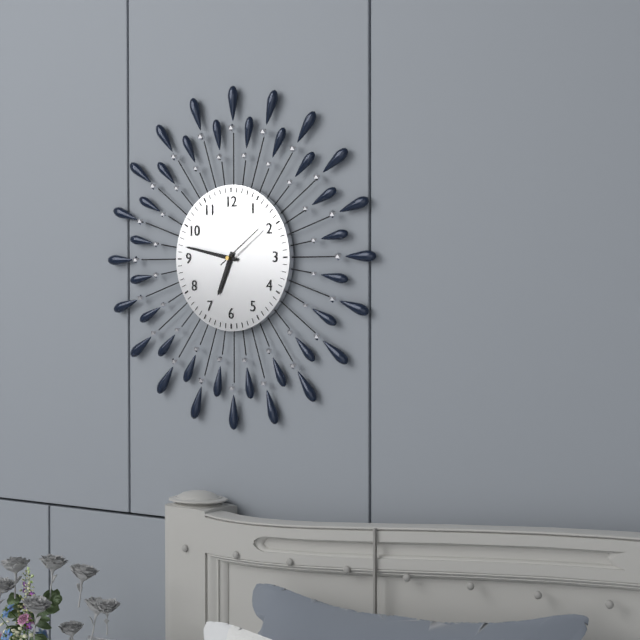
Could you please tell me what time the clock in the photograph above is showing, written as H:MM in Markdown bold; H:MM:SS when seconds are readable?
**6:47:09**
